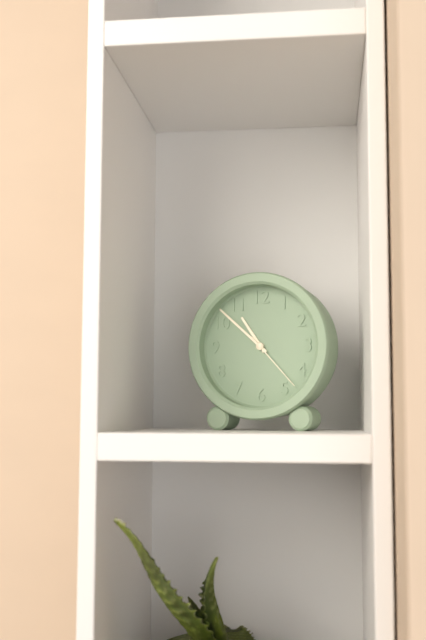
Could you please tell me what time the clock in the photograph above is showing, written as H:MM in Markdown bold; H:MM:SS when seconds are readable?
**10:52:23**
